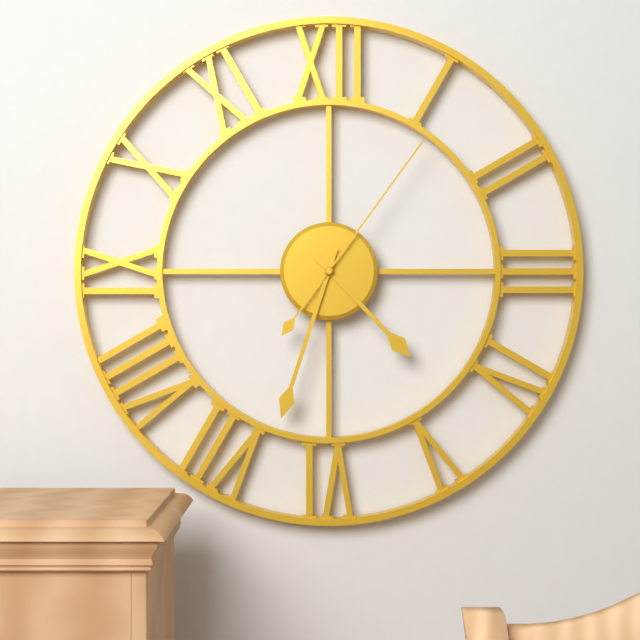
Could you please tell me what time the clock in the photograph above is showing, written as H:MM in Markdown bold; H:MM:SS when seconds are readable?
**4:33:06**
